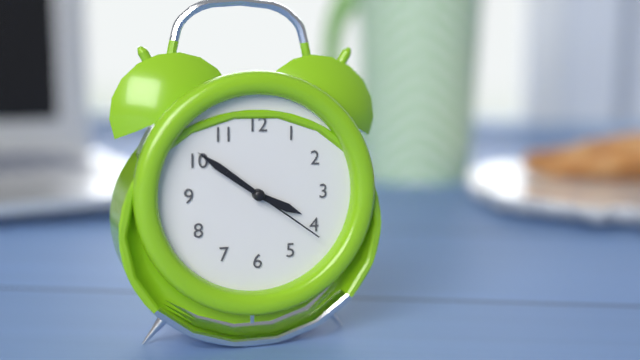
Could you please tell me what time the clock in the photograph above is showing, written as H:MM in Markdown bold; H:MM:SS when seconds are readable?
**3:51:21**
